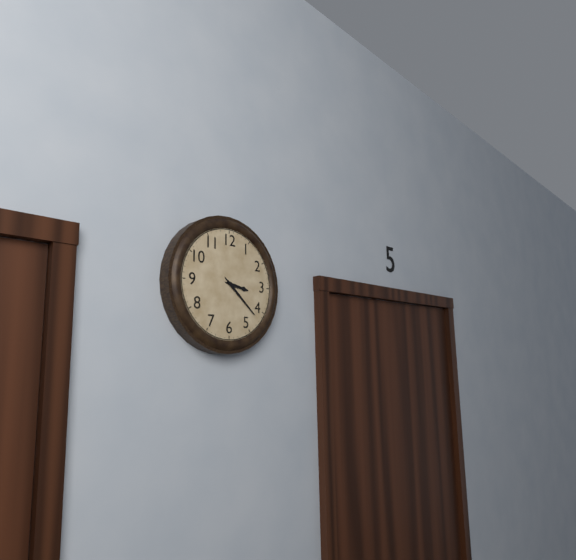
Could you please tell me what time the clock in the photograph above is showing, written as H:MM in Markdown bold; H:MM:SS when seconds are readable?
**3:22**
